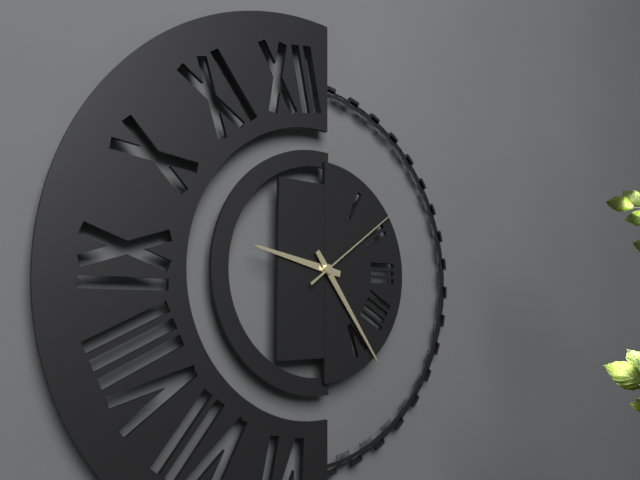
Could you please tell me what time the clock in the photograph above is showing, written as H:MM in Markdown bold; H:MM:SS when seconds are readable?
**9:24:09**
